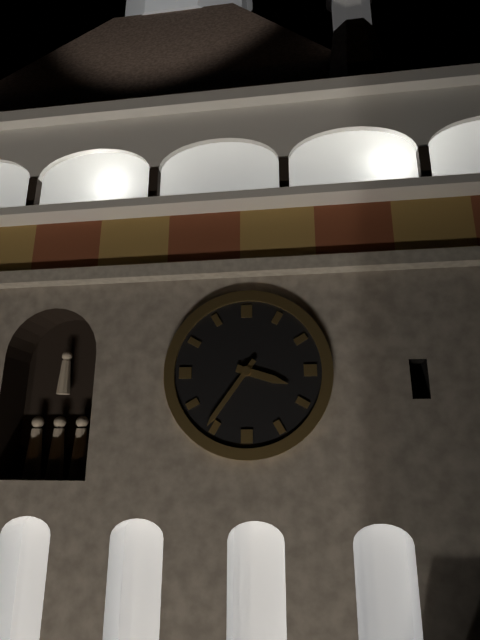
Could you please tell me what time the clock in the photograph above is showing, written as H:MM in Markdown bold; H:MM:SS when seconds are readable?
**3:36**
